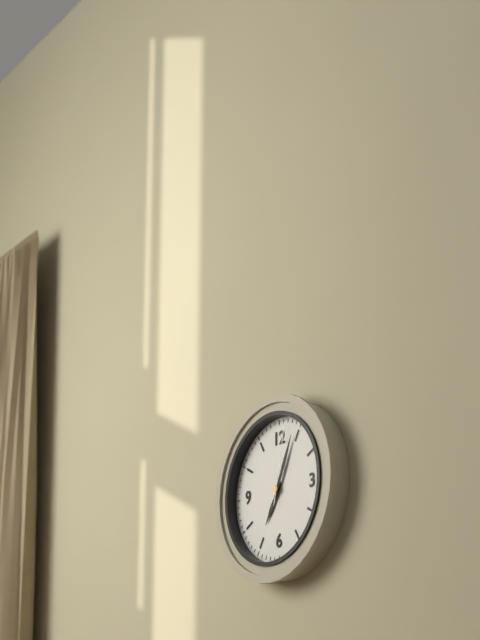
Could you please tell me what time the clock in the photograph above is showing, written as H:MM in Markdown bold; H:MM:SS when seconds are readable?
**7:04:02**
